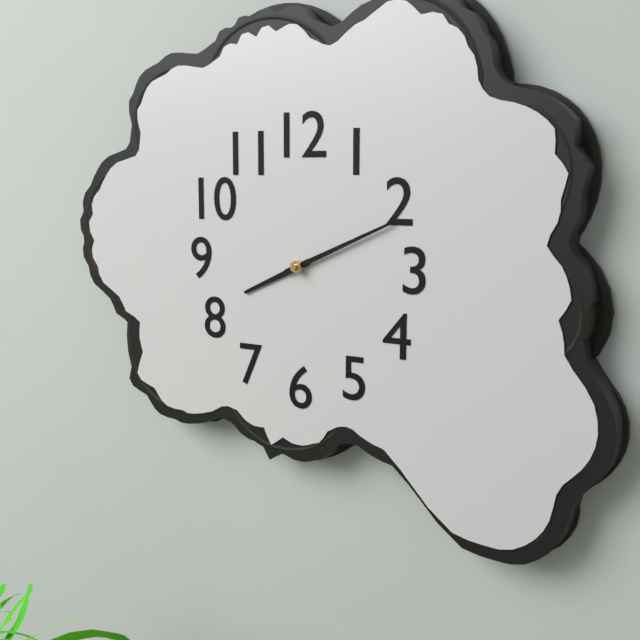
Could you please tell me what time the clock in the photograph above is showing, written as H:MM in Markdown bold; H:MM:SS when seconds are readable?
**8:11**
